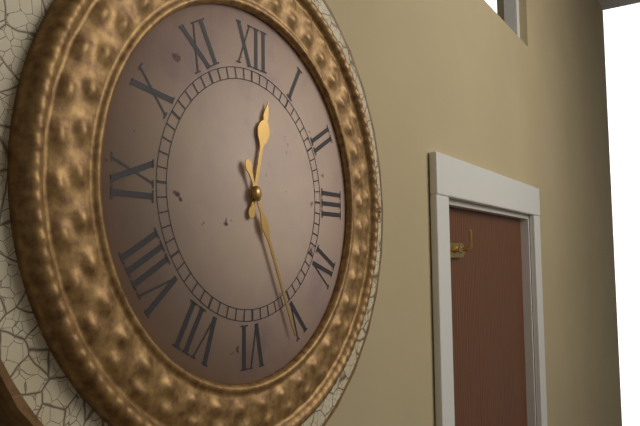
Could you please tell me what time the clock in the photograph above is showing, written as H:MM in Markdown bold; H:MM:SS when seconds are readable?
**12:26**
